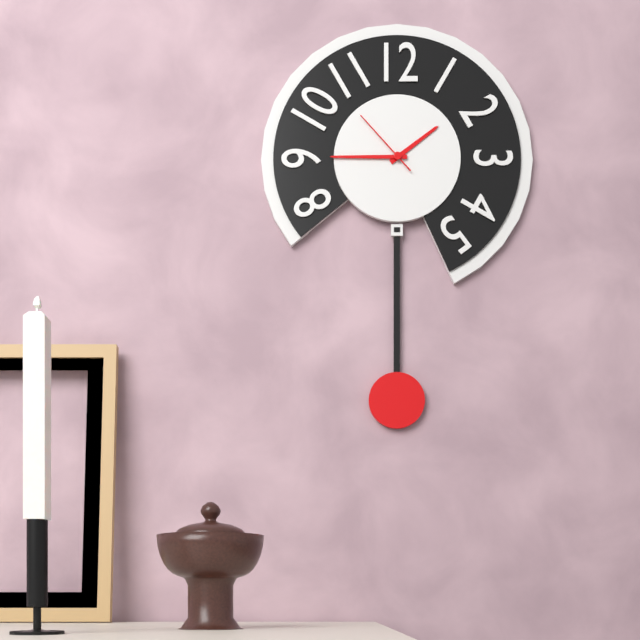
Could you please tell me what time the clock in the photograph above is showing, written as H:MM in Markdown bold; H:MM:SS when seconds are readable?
**1:45:53**
